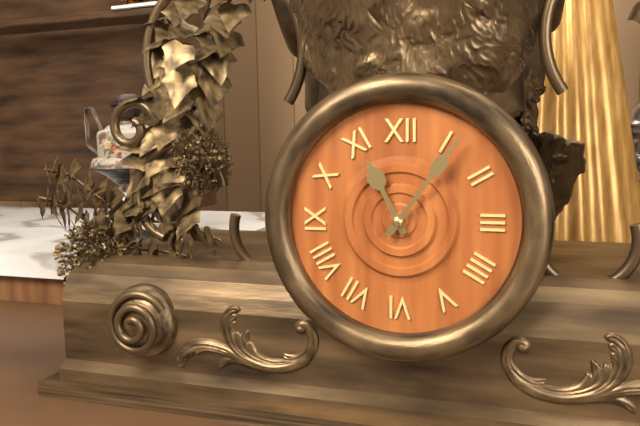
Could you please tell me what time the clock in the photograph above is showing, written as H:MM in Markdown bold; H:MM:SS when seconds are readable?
**11:06**
